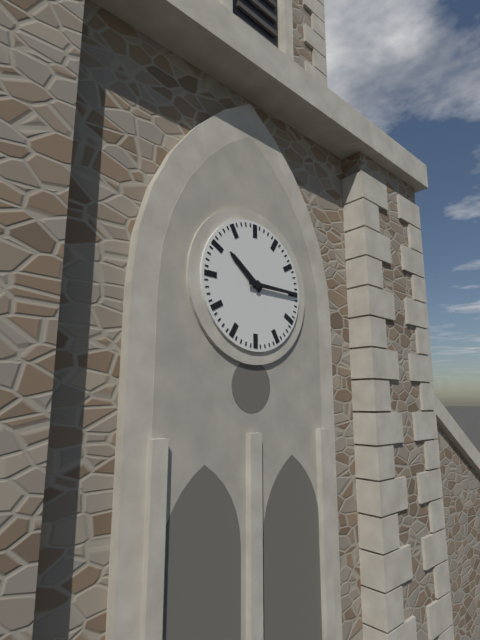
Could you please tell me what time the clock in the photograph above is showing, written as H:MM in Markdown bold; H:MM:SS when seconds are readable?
**10:15**
